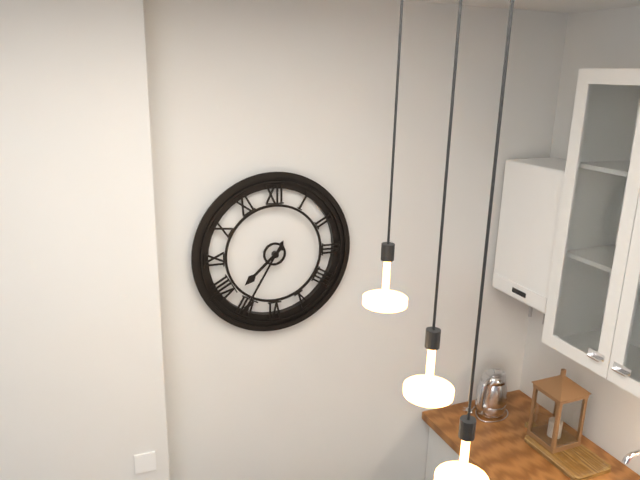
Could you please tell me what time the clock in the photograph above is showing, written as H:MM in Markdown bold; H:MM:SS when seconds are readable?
**7:35**
